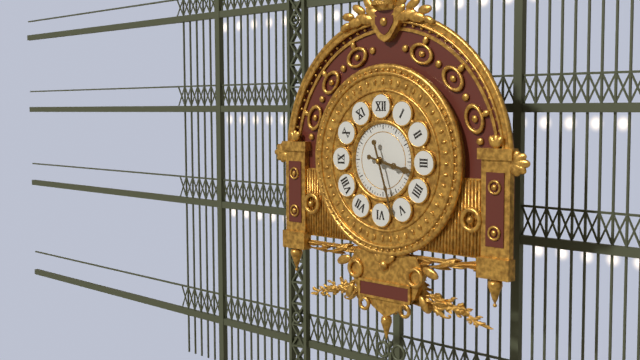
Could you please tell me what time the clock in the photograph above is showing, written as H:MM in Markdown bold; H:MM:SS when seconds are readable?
**3:27**
